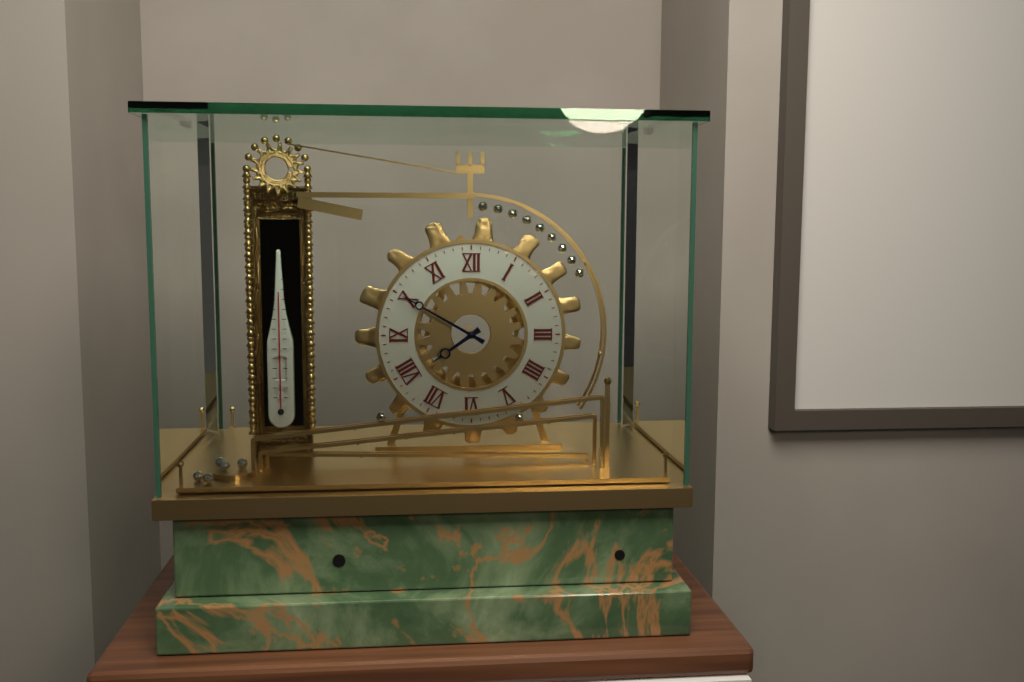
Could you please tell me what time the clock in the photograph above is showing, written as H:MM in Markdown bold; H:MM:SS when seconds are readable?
**7:50**
